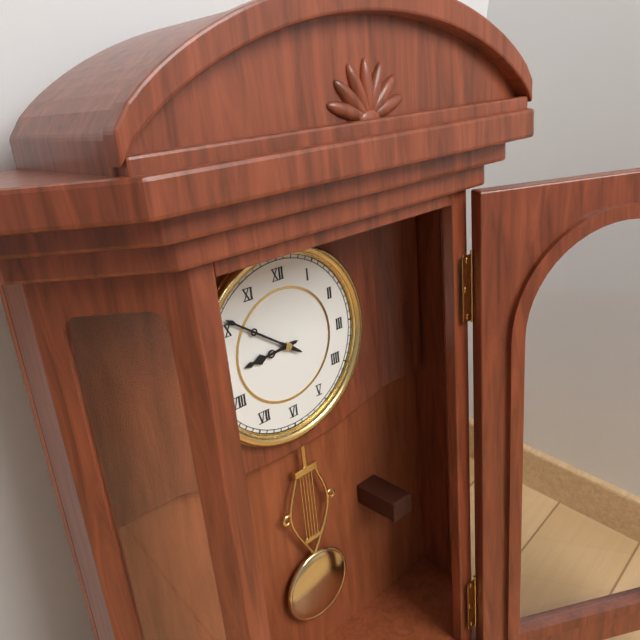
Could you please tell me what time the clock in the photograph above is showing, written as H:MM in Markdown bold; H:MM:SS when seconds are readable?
**8:51**
